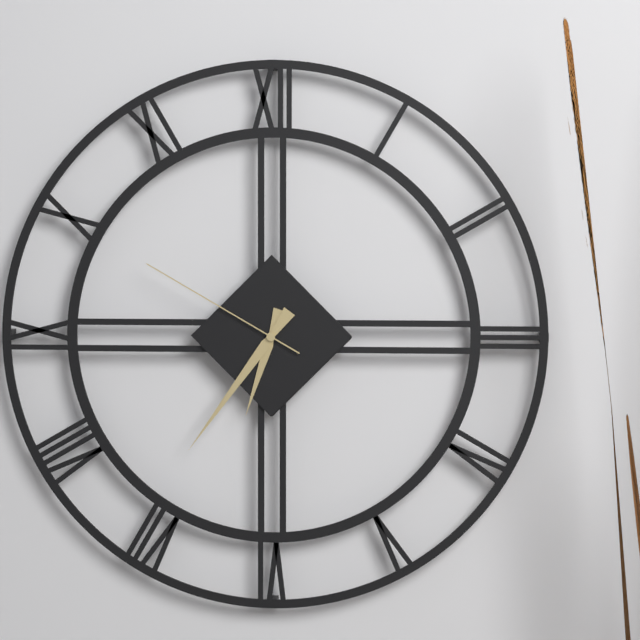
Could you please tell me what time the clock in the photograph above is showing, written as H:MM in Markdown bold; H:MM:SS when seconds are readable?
**6:36:50**
